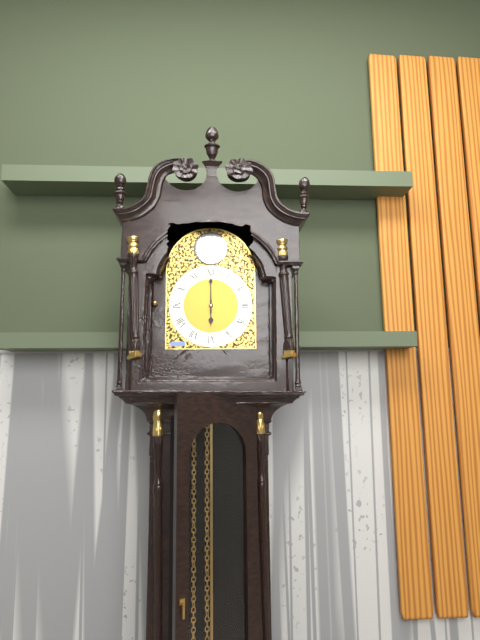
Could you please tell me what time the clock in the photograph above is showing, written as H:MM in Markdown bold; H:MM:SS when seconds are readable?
**6:00**
